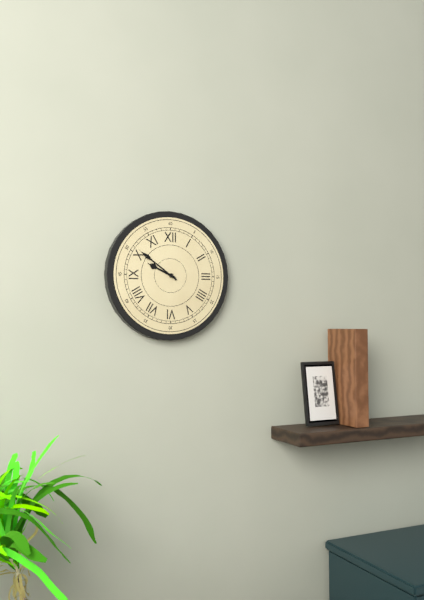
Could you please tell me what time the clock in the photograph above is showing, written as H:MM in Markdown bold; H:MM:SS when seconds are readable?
**9:51**
